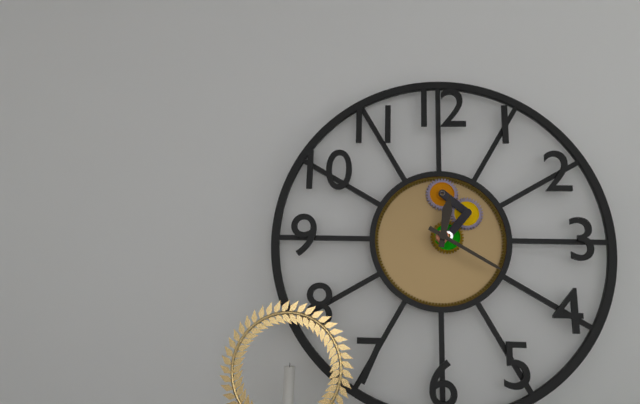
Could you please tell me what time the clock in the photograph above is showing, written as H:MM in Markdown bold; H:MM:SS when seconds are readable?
**12:20**
